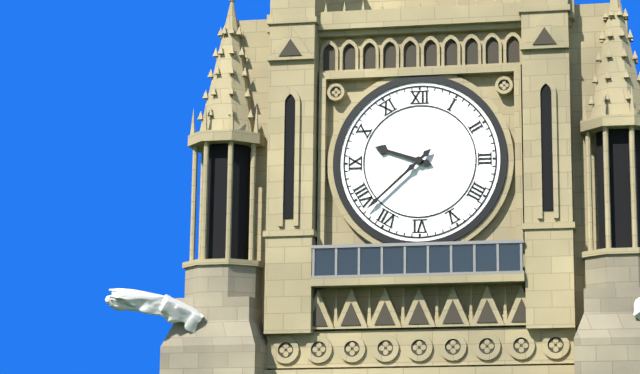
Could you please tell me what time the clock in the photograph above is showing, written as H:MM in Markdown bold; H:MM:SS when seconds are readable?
**9:38**
